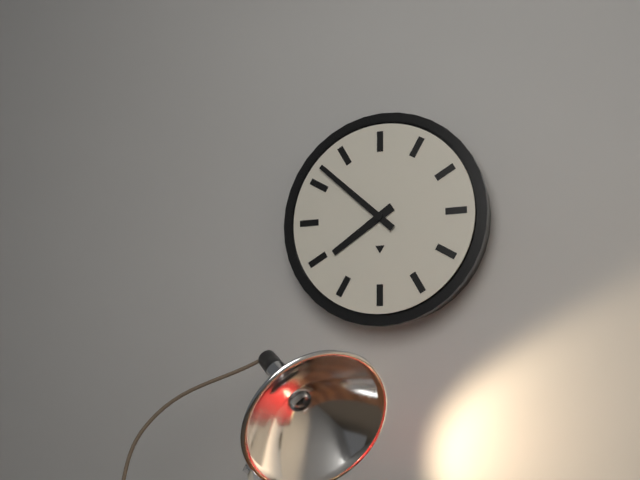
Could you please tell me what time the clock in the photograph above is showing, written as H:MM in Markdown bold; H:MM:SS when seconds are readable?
**7:52**
